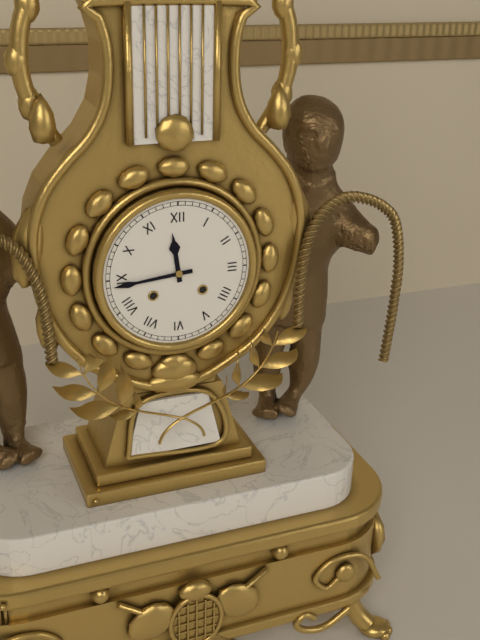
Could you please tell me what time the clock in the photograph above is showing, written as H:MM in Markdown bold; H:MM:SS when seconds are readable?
**11:44**
